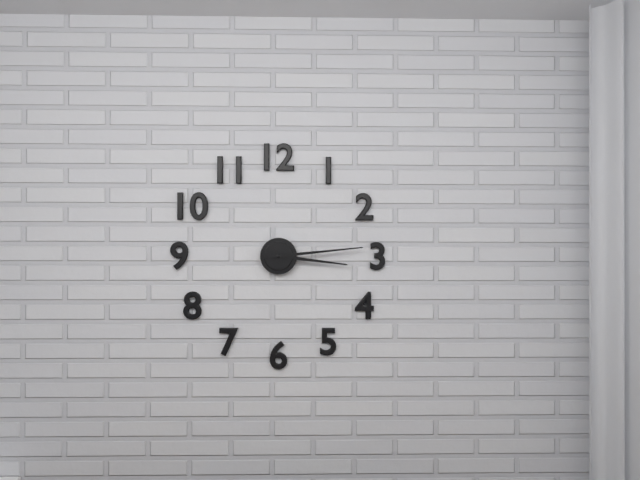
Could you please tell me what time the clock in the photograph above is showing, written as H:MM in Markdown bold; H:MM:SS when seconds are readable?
**3:14**
